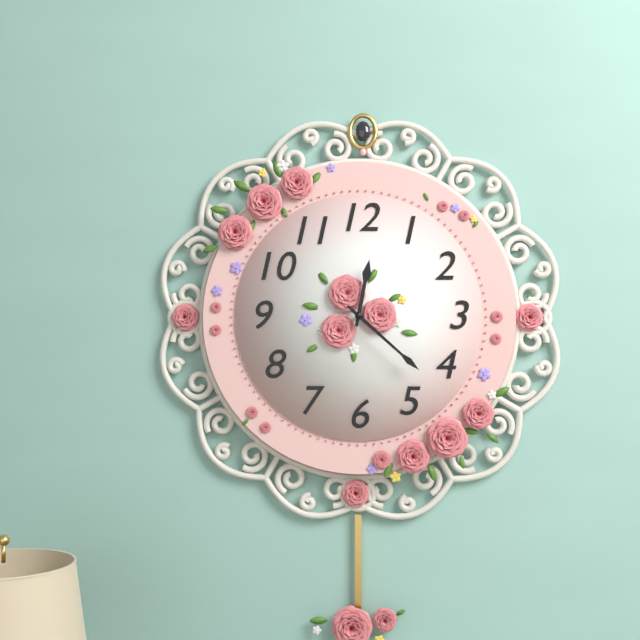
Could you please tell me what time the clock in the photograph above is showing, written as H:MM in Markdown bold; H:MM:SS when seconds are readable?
**12:22**
